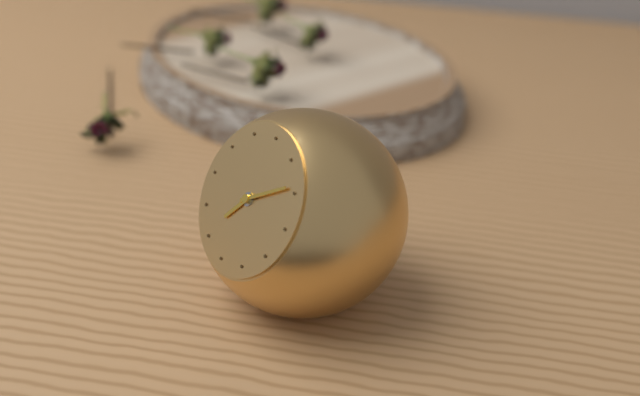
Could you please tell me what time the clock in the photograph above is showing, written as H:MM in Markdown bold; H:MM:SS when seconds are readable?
**7:09**
